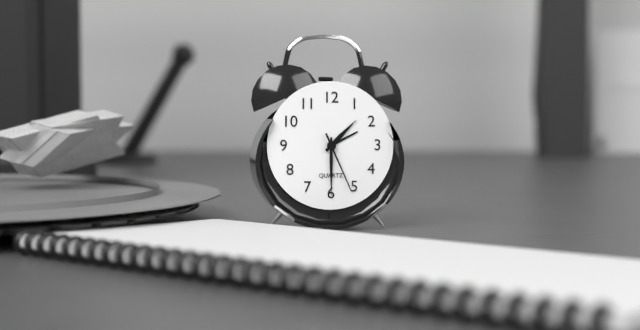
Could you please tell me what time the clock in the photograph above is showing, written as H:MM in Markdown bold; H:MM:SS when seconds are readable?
**1:30:26**
